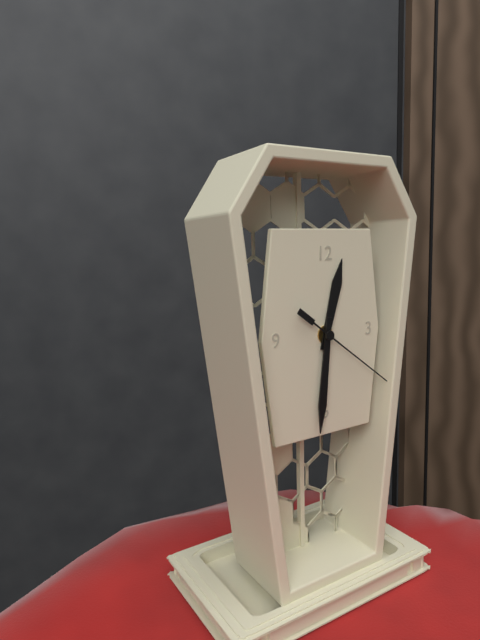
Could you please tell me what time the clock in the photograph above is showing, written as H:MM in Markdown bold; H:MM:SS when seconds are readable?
**12:31:21**
